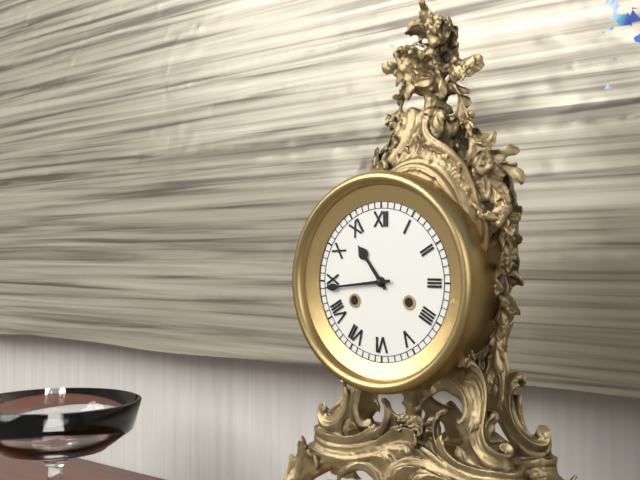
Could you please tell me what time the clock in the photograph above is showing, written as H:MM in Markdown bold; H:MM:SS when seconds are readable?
**10:44**
